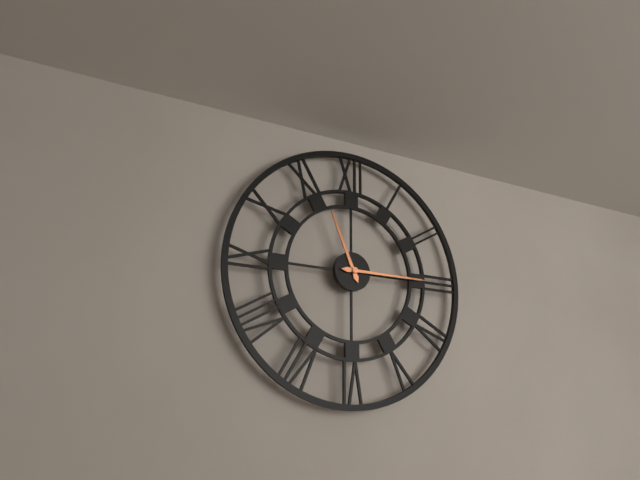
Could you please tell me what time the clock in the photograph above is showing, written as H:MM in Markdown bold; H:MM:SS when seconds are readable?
**11:15**
